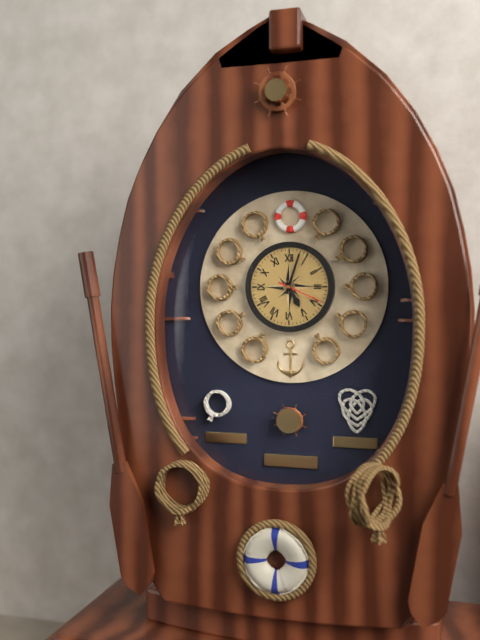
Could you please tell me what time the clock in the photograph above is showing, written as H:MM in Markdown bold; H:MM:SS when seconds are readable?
**5:03**
